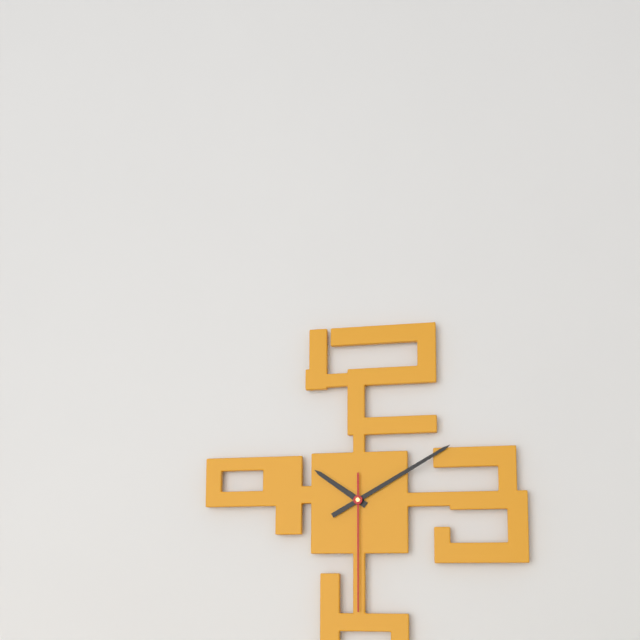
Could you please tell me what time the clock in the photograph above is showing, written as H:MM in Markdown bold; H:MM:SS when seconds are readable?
**10:10:30**
